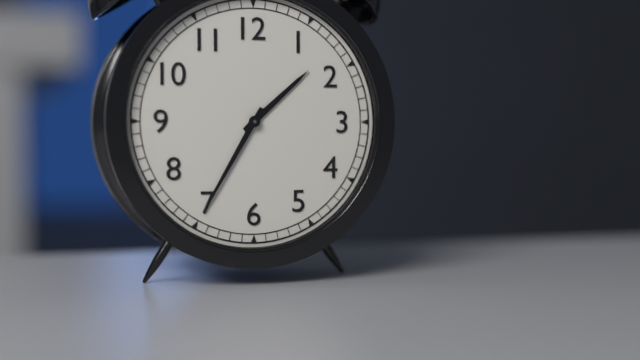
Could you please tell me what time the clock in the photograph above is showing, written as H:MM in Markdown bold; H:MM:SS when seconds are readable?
**1:35**
